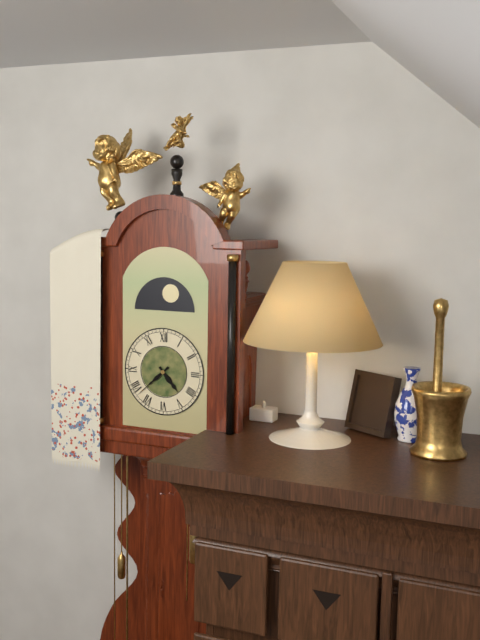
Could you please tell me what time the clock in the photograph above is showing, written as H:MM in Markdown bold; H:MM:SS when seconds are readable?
**4:38**
